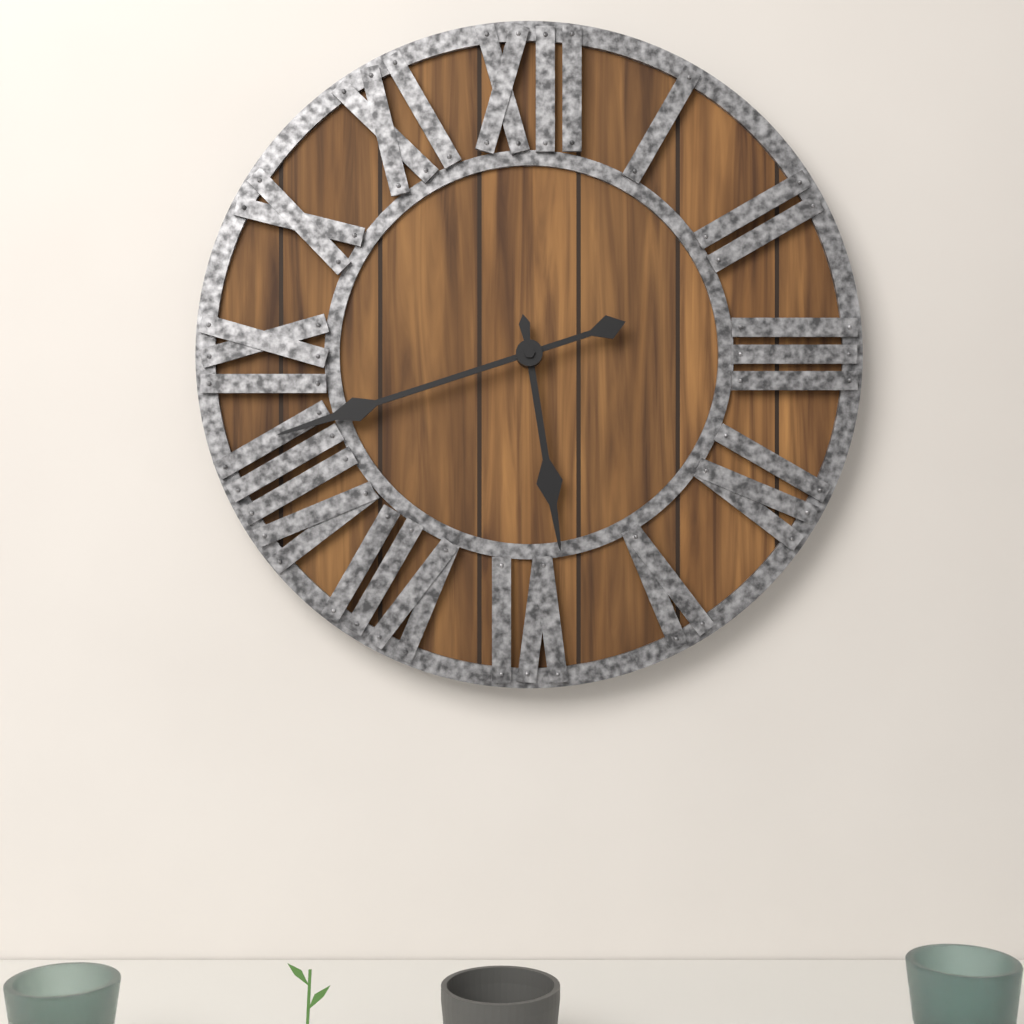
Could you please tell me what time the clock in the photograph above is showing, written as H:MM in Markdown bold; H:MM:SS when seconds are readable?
**5:42**
